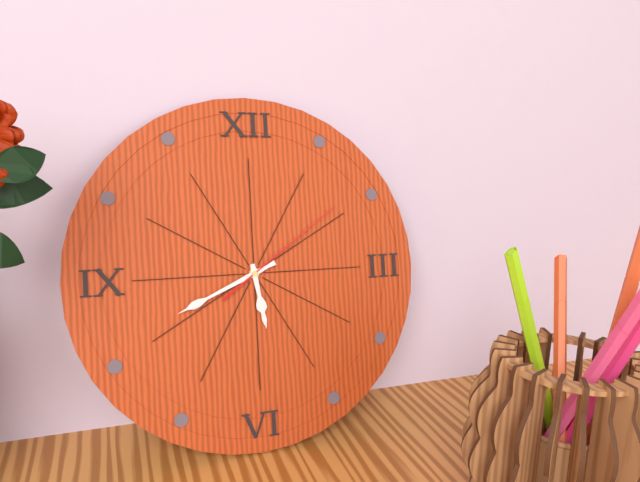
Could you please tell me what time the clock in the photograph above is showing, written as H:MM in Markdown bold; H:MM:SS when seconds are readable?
**5:41:09**
